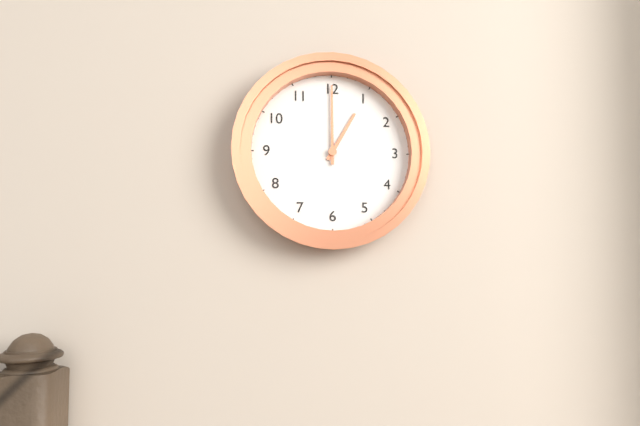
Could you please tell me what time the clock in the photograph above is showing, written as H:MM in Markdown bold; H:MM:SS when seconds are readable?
**1:00**
